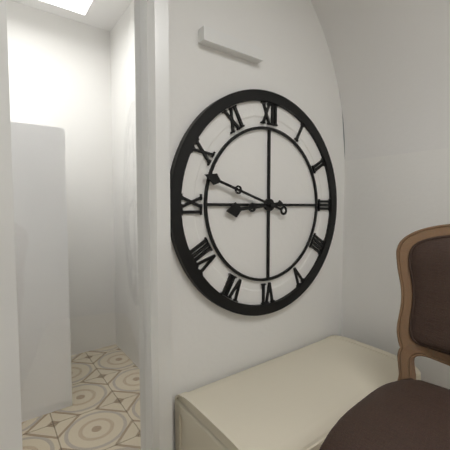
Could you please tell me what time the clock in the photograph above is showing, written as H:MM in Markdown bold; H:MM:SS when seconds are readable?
**8:48**
